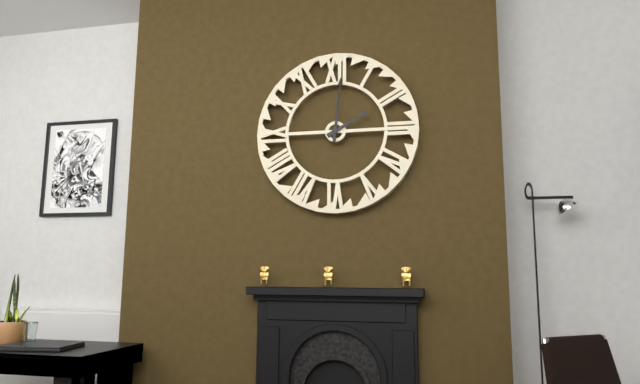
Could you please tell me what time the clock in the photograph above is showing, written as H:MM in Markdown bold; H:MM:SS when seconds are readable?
**2:01**
